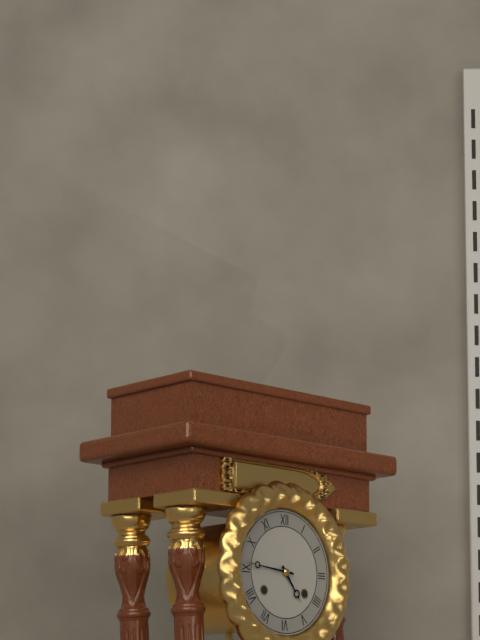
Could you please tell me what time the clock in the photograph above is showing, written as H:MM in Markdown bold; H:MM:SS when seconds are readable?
**4:46**
